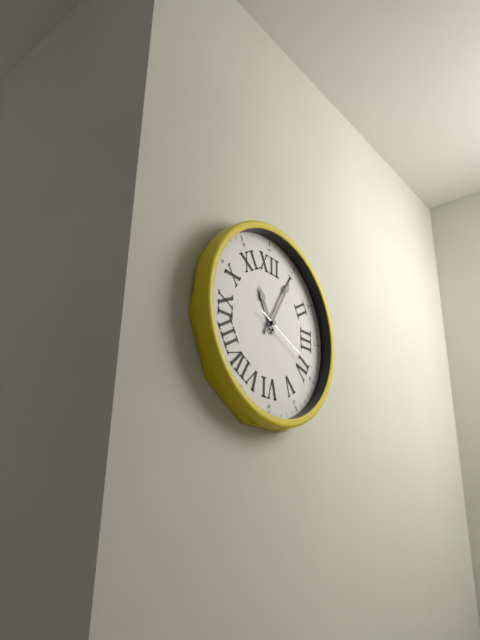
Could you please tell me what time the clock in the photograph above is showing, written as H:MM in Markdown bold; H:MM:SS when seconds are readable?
**11:05:19**
